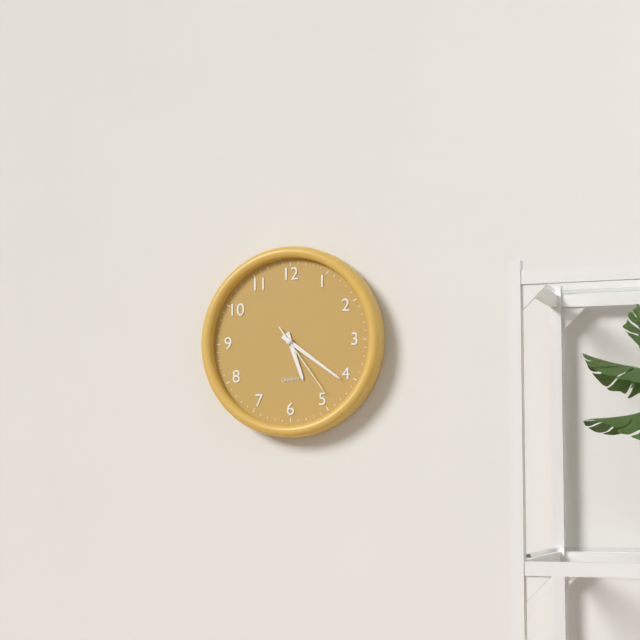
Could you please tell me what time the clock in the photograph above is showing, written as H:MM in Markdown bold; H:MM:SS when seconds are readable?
**5:21:24**
